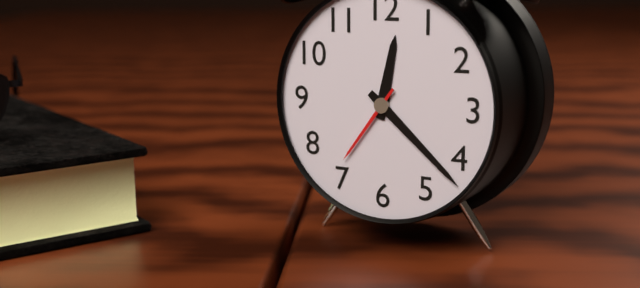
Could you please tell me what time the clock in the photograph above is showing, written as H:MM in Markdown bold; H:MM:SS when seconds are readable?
**12:22:36**
